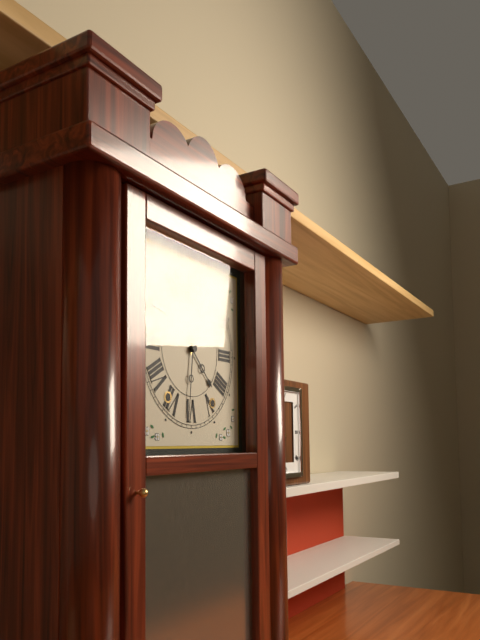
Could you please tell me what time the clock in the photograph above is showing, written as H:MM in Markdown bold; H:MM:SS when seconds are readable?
**4:31**
